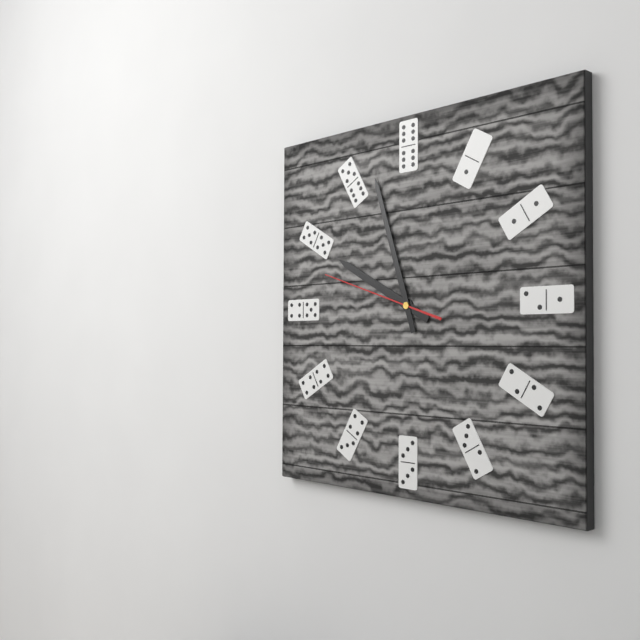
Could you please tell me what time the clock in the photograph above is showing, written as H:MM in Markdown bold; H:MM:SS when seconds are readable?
**9:57:48**
